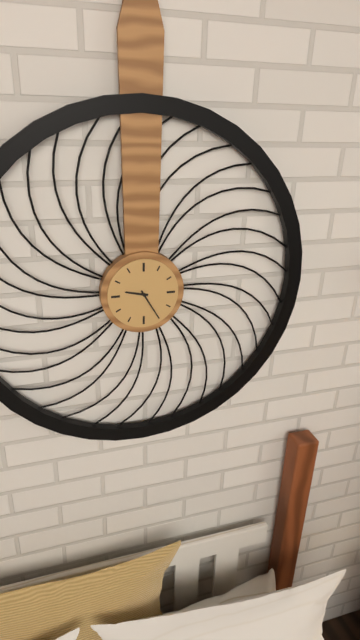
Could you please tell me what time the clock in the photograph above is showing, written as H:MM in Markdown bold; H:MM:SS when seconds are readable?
**9:25**
